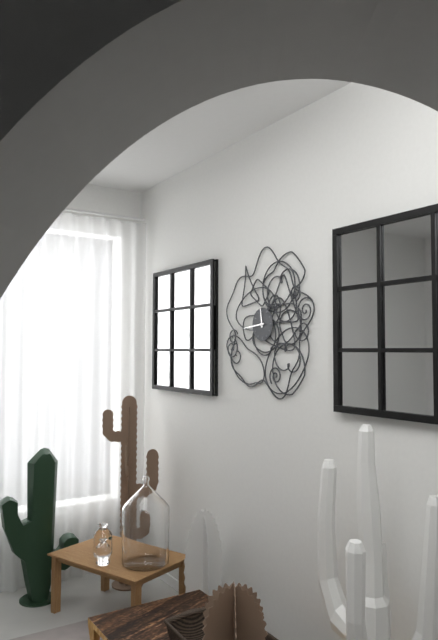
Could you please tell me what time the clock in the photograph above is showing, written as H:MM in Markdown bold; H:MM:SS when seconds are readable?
**11:44**
